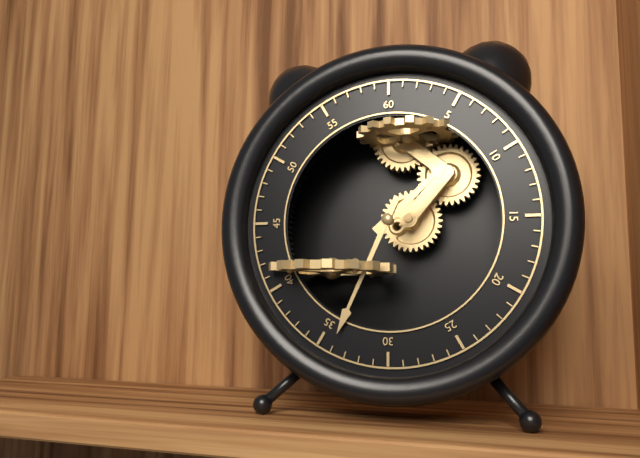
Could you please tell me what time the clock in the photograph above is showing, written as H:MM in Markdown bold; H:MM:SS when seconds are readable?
**1:34**
